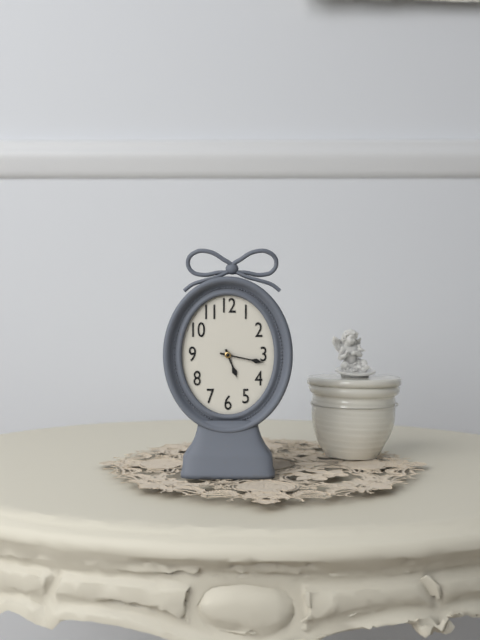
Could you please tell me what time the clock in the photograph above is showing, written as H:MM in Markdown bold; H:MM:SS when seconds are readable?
**5:17**
